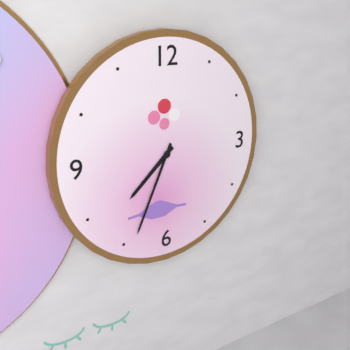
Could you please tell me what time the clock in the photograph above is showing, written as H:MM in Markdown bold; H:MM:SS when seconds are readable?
**7:34**
